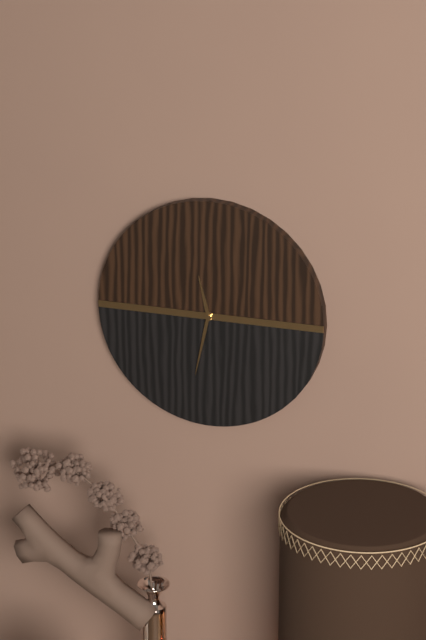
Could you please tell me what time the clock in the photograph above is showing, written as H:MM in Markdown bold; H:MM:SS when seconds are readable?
**11:32**
